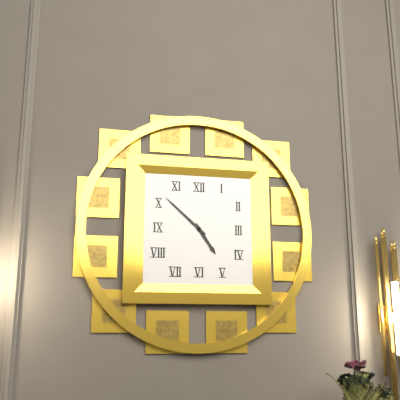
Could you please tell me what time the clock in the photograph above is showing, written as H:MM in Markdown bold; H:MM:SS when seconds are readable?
**4:52**
